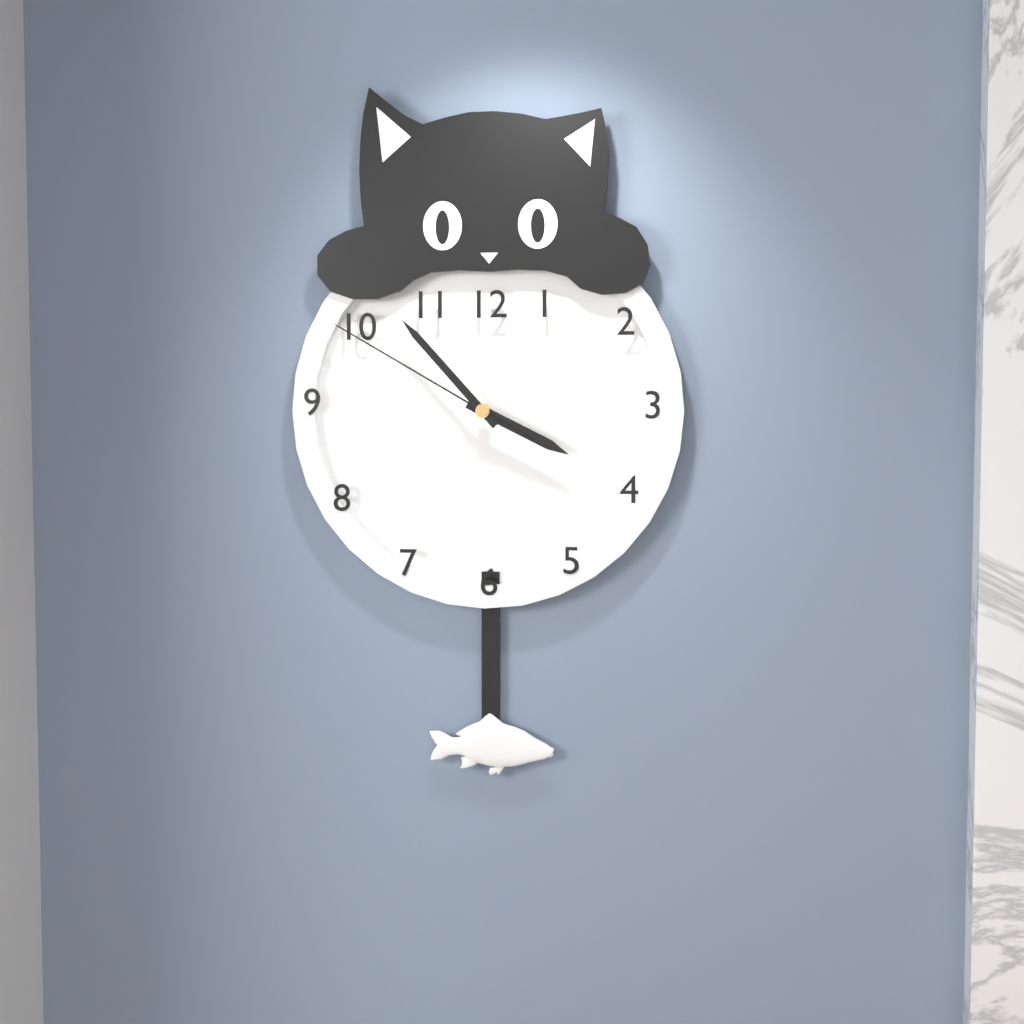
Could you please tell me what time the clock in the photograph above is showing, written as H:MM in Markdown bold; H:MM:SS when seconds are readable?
**3:53:50**
